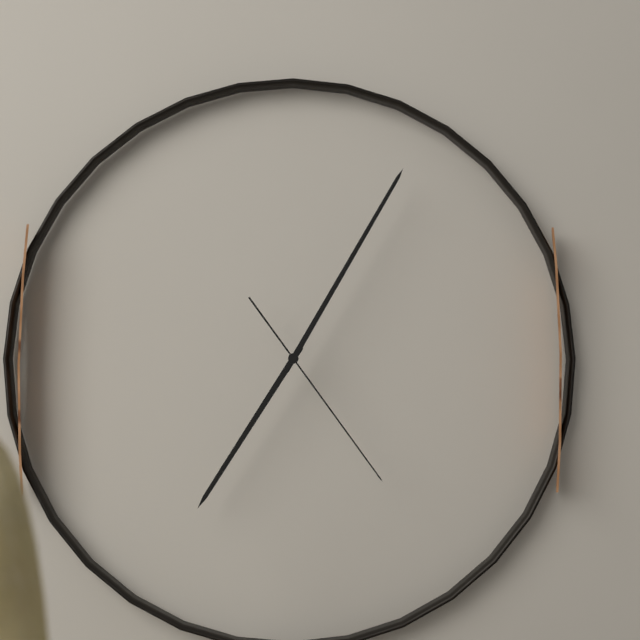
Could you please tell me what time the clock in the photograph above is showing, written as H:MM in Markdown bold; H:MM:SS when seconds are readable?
**7:05:24**
